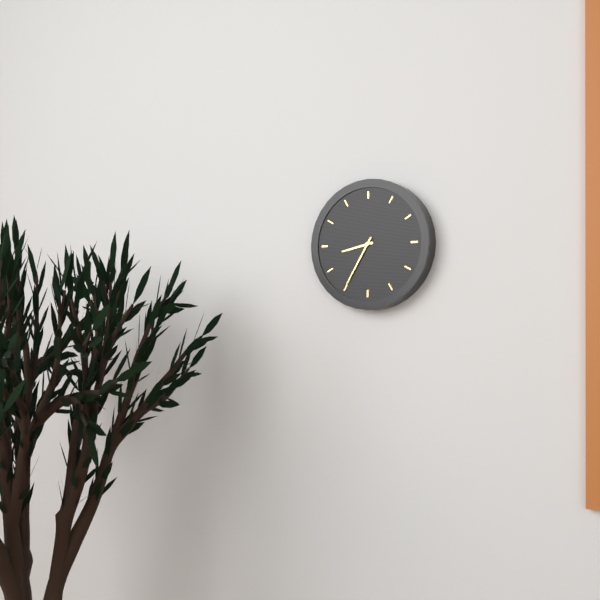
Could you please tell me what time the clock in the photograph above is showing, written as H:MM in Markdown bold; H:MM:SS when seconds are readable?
**8:35**
